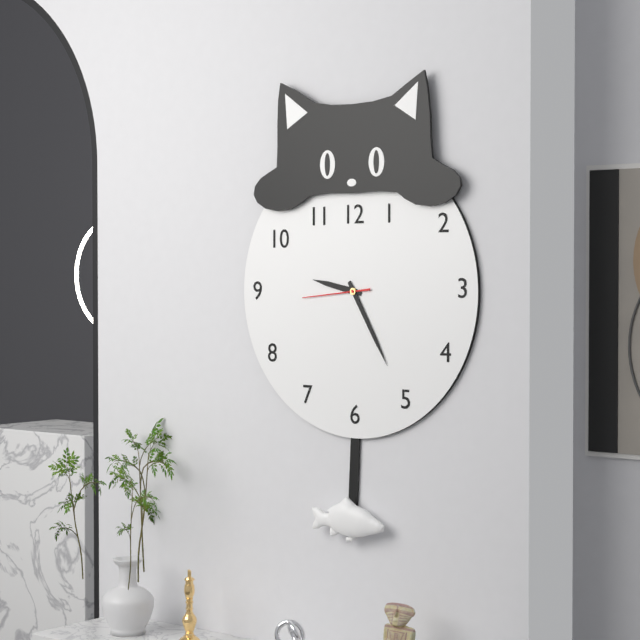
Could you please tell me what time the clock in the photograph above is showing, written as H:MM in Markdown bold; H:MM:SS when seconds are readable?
**9:25:44**
